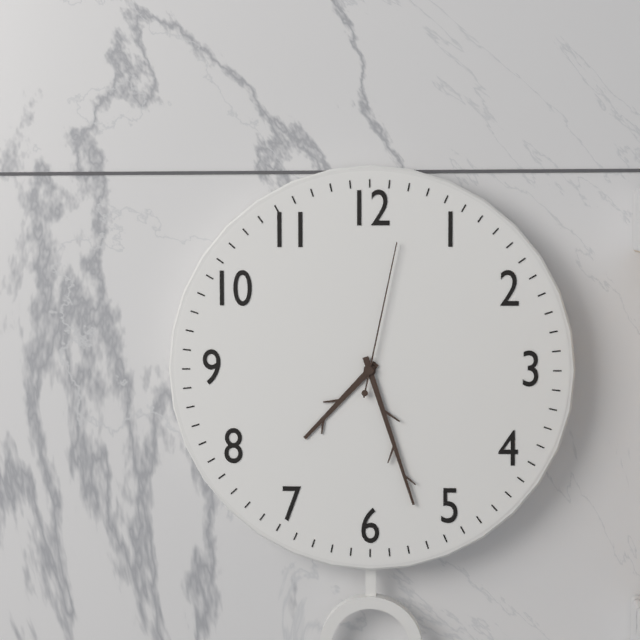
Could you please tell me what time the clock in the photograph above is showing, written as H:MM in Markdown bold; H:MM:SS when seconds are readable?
**7:27:02**
